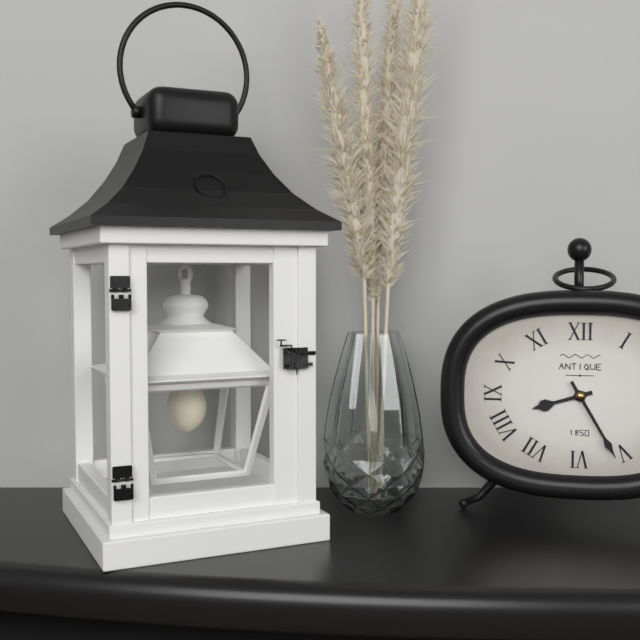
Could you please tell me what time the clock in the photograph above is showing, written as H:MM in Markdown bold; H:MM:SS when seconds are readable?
**8:25**
